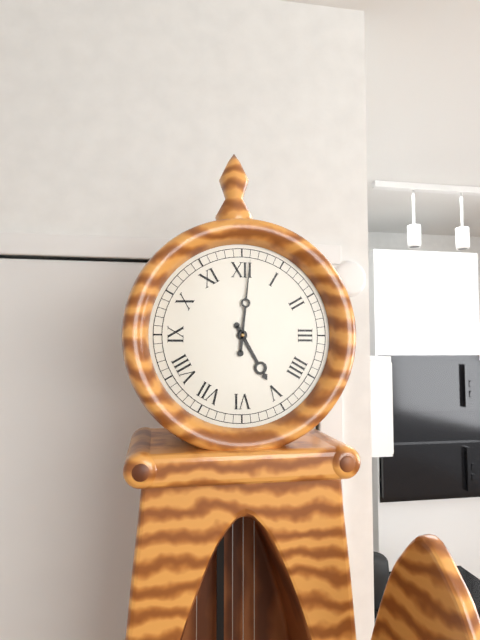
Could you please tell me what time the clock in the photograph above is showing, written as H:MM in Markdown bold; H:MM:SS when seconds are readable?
**5:01**
